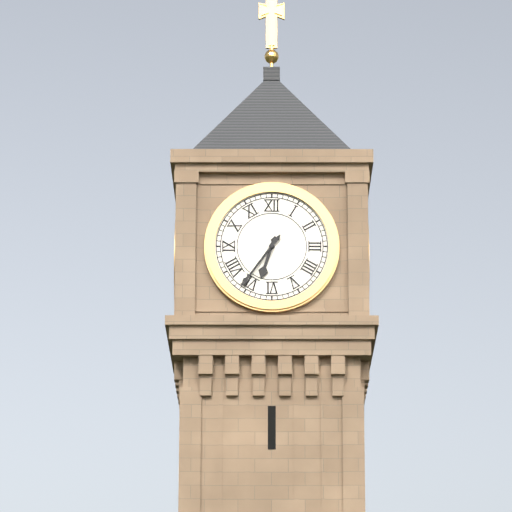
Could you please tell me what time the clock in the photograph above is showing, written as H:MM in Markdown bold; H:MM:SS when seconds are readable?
**6:36**
